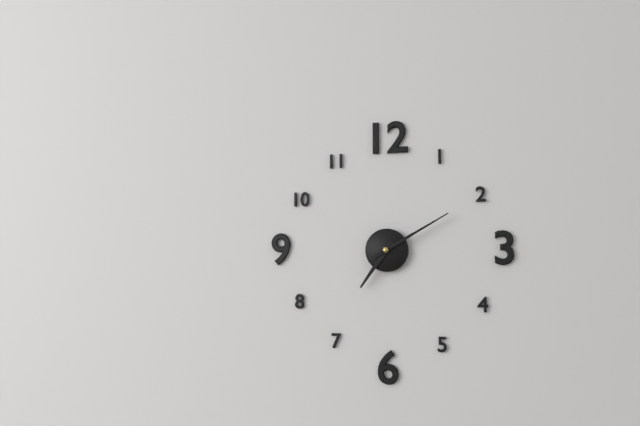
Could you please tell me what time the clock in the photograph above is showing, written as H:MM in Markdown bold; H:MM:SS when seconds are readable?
**7:10**
